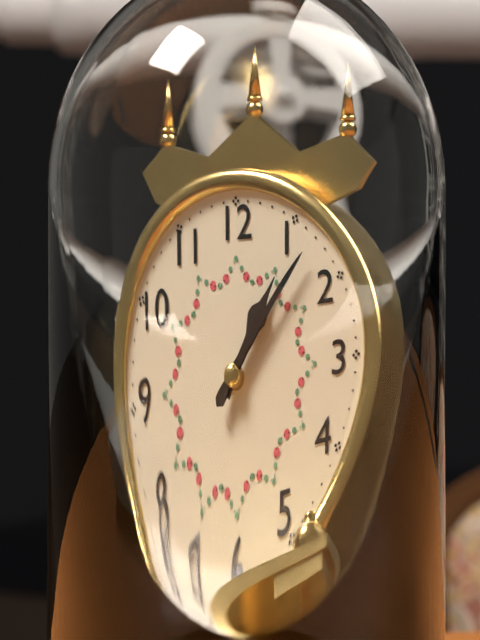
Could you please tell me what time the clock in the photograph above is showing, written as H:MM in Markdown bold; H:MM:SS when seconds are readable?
**1:07**
